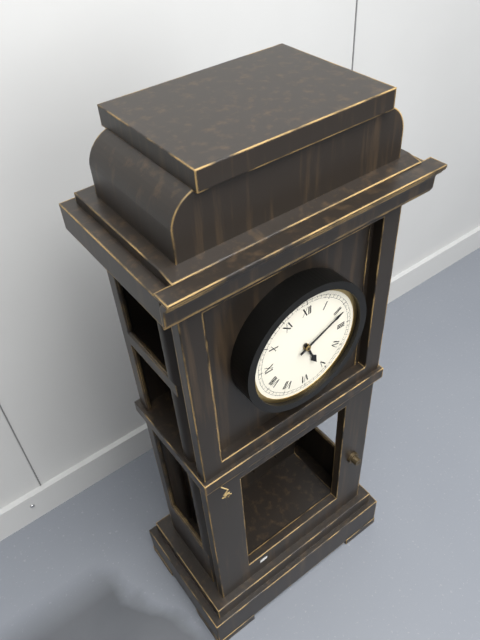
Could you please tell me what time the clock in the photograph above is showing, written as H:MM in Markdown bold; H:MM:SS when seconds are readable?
**5:11**
